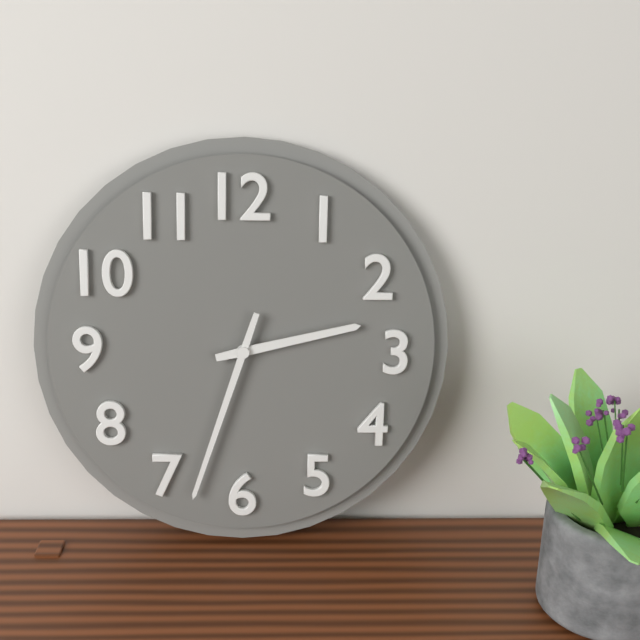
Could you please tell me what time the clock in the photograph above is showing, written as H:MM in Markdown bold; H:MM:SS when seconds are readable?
**2:33**
